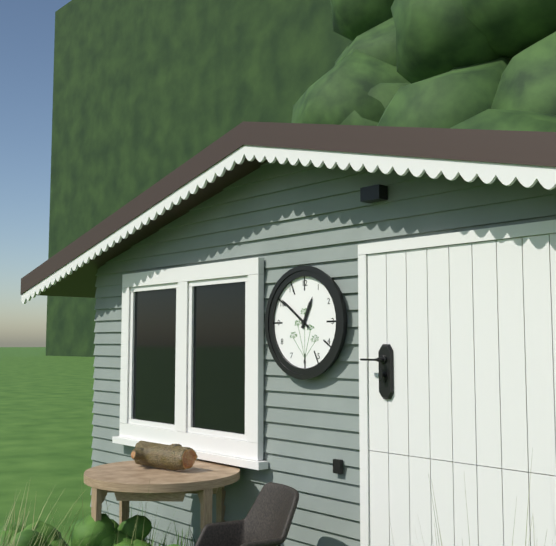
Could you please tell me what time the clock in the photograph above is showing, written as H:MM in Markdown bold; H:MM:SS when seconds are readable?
**12:51**
